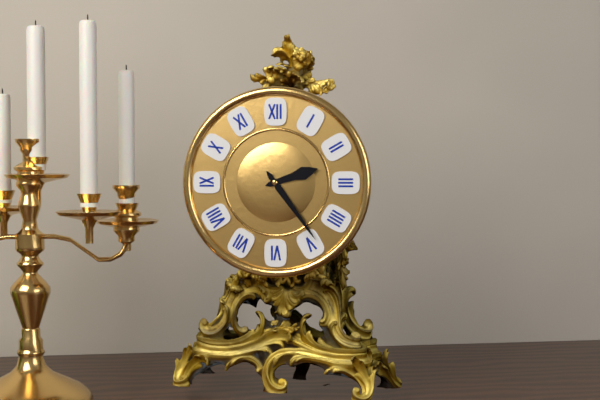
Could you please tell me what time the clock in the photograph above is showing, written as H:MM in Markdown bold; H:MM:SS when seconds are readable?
**2:24**
